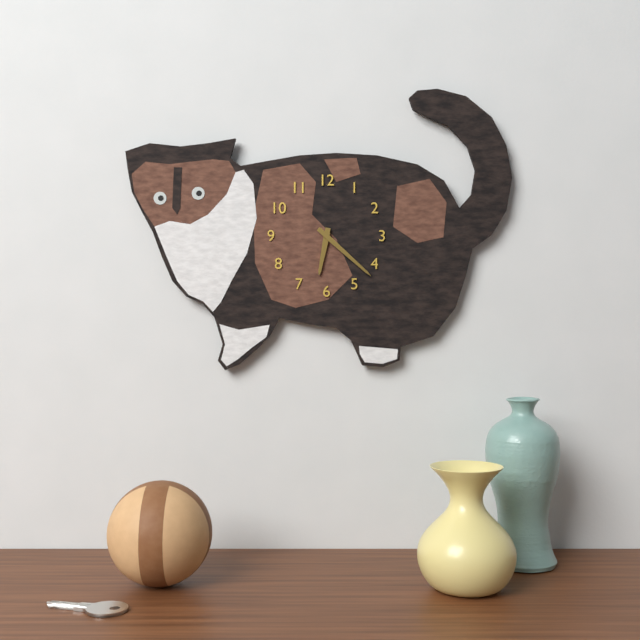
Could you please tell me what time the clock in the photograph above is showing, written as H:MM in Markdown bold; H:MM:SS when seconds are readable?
**6:22**
